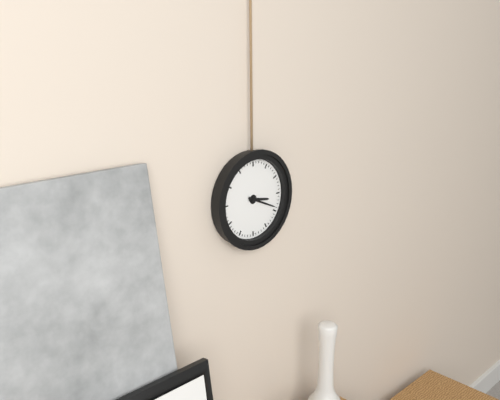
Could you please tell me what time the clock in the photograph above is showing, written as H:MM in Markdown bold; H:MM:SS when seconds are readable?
**3:19**
